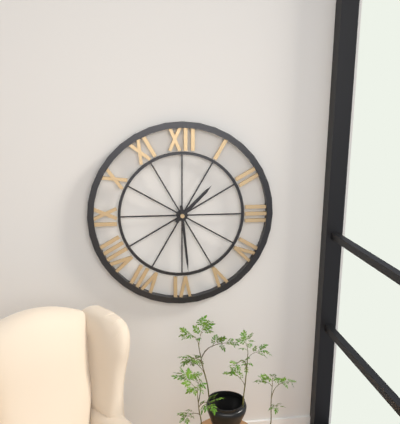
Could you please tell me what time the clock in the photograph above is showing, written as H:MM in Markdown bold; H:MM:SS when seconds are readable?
**1:29**
